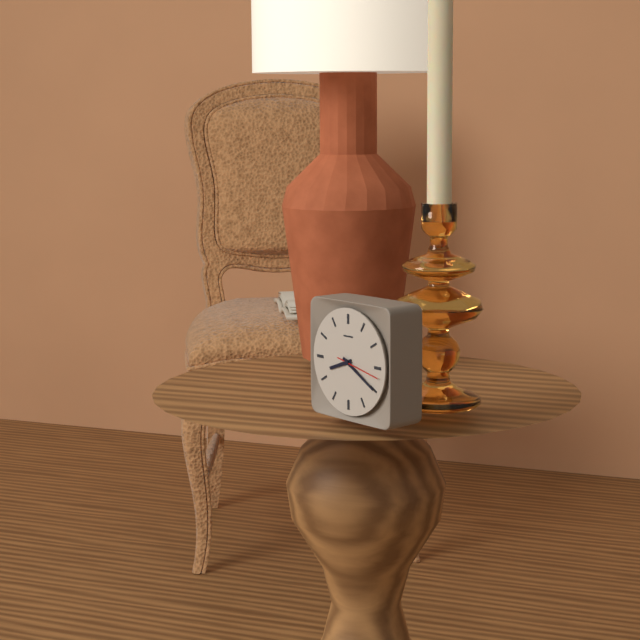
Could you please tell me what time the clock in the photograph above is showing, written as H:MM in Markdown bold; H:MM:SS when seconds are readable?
**8:20**
